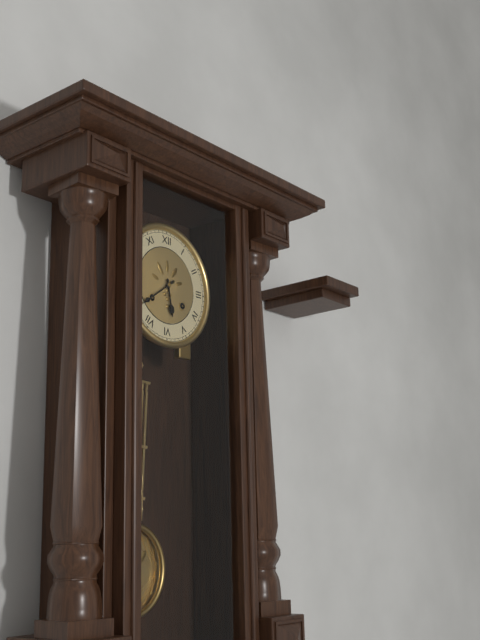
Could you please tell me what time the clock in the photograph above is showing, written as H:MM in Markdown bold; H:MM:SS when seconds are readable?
**5:39**
